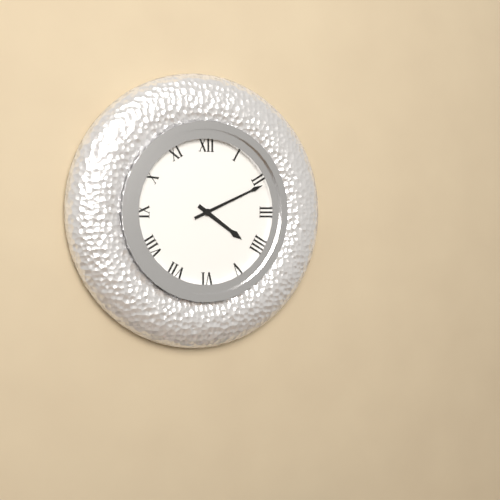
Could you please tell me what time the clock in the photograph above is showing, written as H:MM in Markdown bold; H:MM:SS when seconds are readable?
**4:11**
